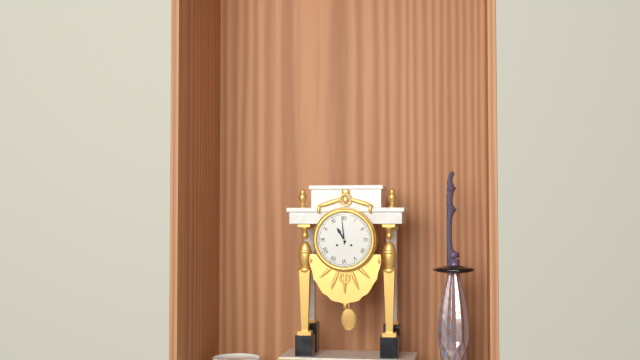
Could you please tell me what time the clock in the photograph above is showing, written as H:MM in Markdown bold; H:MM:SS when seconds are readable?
**10:59**
